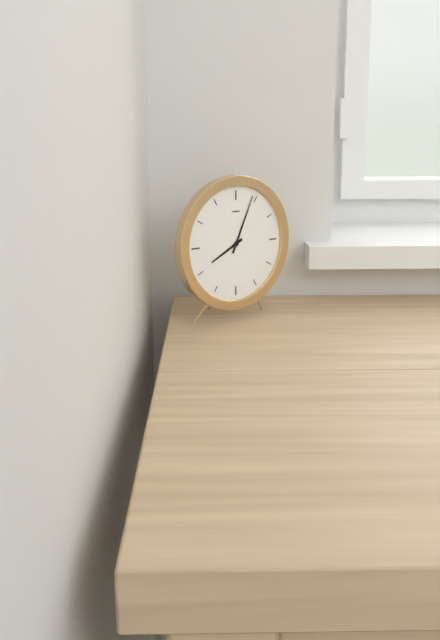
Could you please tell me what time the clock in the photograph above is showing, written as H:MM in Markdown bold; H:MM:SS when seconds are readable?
**8:04**
